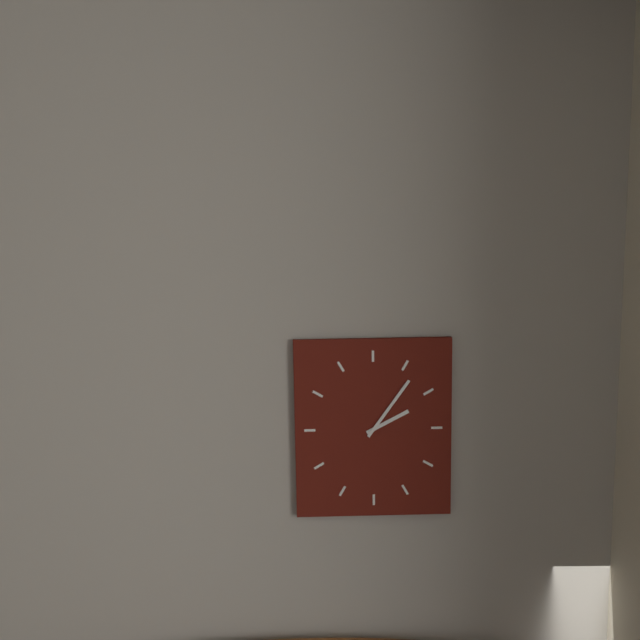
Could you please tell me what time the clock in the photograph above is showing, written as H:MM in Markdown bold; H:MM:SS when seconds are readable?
**2:06**
